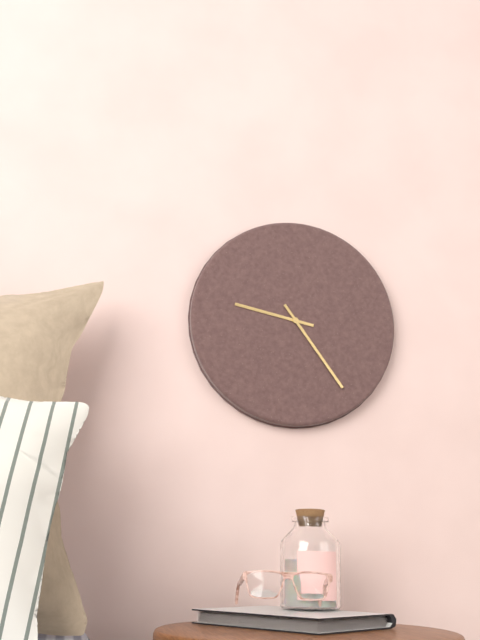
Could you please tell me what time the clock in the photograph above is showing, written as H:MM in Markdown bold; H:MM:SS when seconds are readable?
**9:24**
